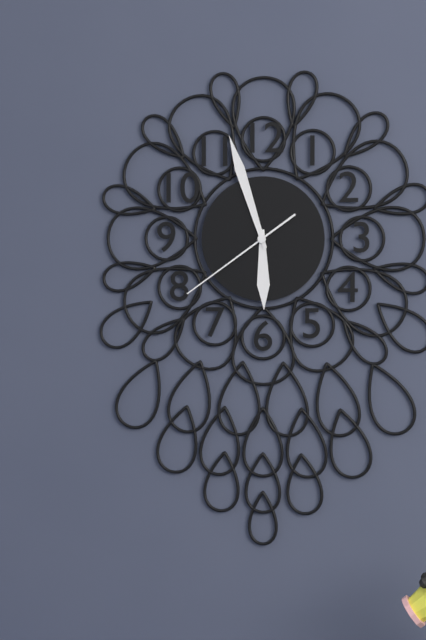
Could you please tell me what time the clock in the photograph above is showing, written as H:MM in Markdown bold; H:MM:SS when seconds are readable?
**5:57:39**
